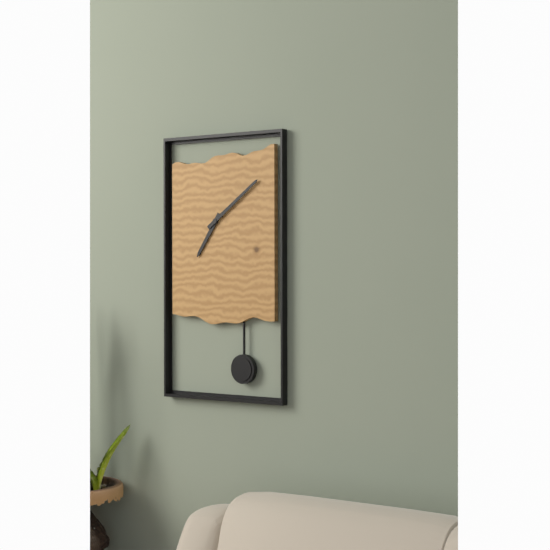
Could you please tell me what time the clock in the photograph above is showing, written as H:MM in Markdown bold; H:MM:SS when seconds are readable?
**7:09**
